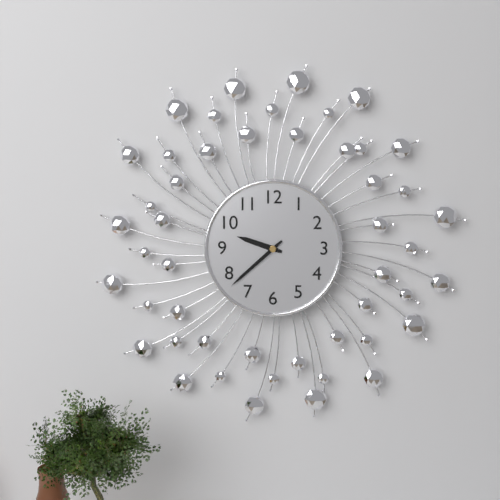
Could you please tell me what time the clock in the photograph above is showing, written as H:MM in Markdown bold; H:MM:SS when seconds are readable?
**9:38**
